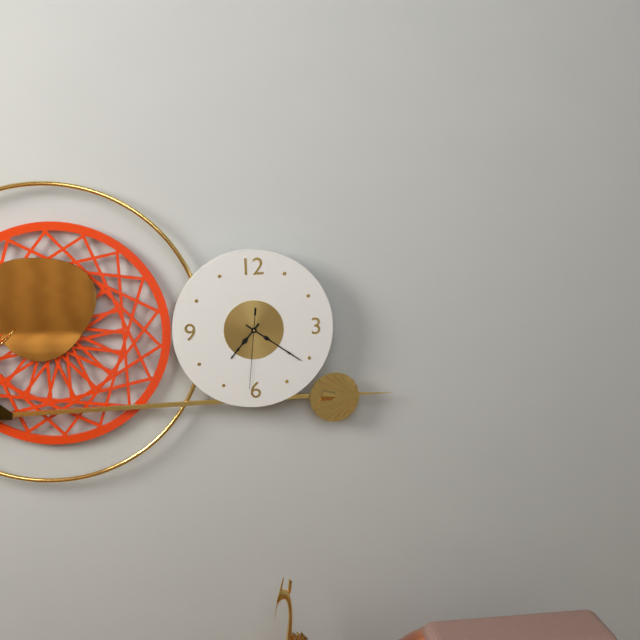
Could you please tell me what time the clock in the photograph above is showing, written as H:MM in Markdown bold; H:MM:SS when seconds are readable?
**7:21:31**
